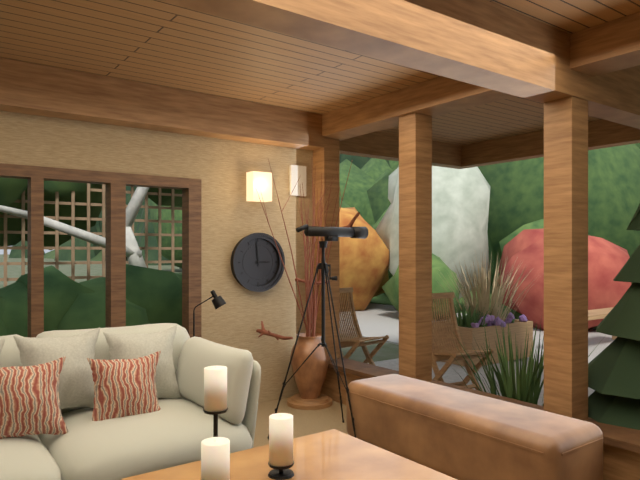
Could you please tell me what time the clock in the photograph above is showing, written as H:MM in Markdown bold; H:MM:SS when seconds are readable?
**2:59**
